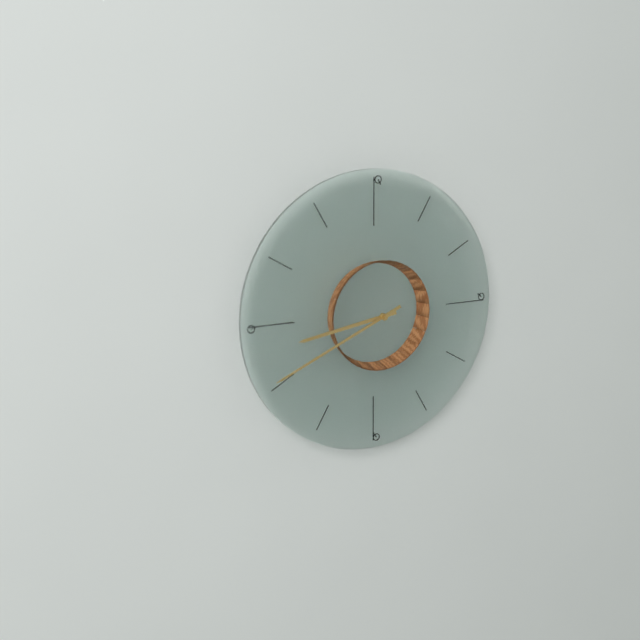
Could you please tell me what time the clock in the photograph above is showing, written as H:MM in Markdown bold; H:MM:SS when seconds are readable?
**8:41**
